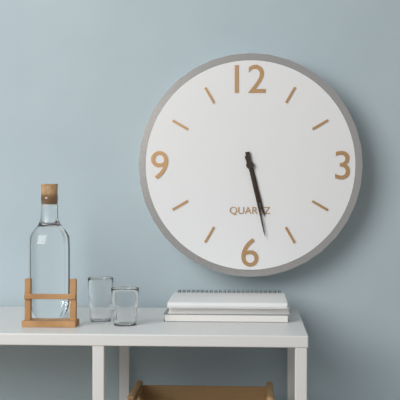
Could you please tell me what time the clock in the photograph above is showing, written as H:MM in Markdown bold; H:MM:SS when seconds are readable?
**5:28**
